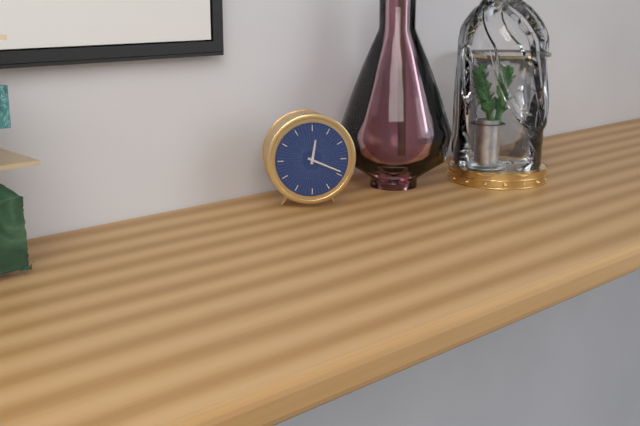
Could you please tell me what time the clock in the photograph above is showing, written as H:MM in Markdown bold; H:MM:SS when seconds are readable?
**12:19**
